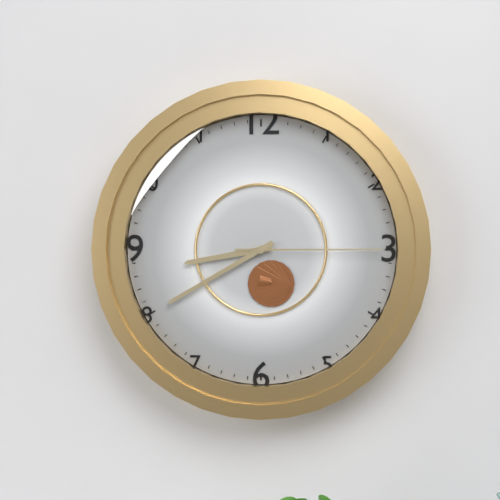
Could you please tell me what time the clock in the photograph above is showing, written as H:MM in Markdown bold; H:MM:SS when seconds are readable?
**8:40:15**
